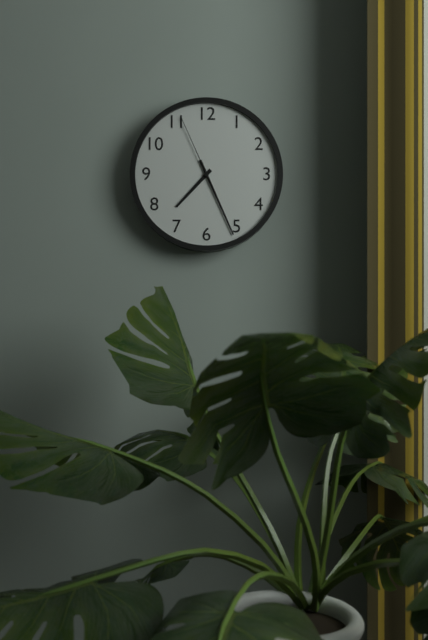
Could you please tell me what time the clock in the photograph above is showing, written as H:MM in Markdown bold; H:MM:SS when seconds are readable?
**7:26:56**
